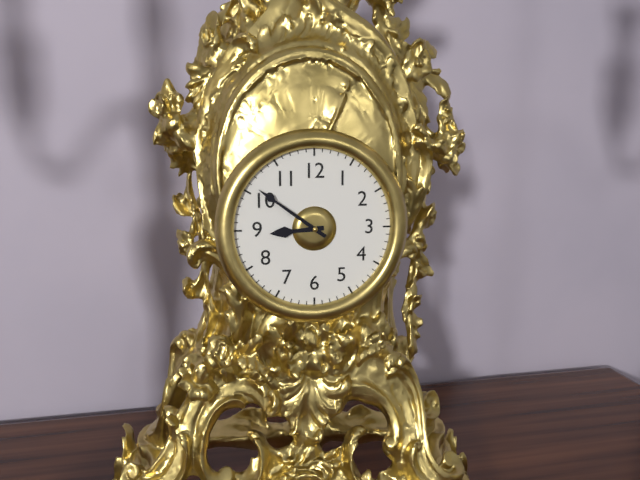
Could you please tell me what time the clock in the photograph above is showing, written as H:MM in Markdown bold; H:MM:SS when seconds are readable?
**8:51**
